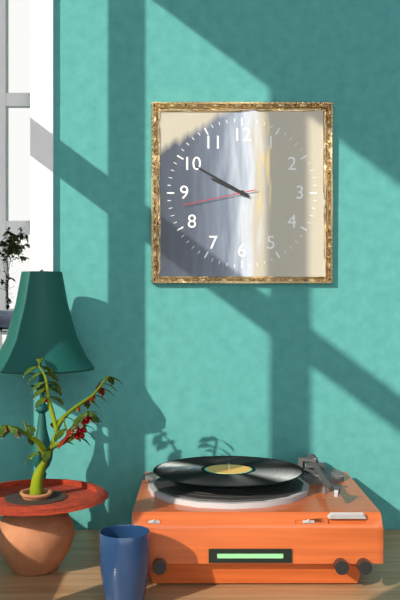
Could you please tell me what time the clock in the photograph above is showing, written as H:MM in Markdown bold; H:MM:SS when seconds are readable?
**9:50:43**
